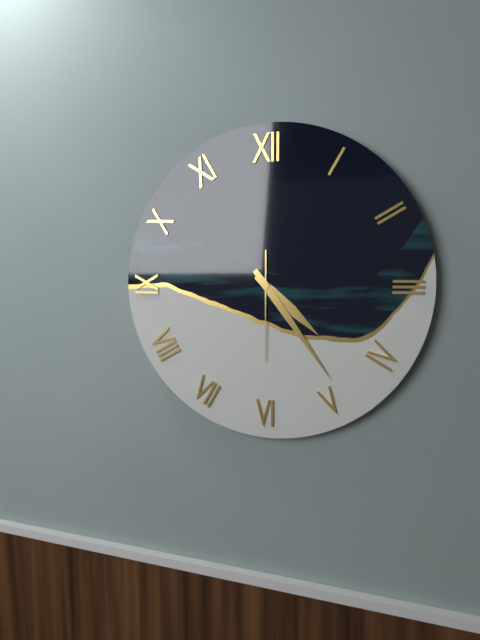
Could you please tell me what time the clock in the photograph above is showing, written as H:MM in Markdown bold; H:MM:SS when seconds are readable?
**4:24:30**
